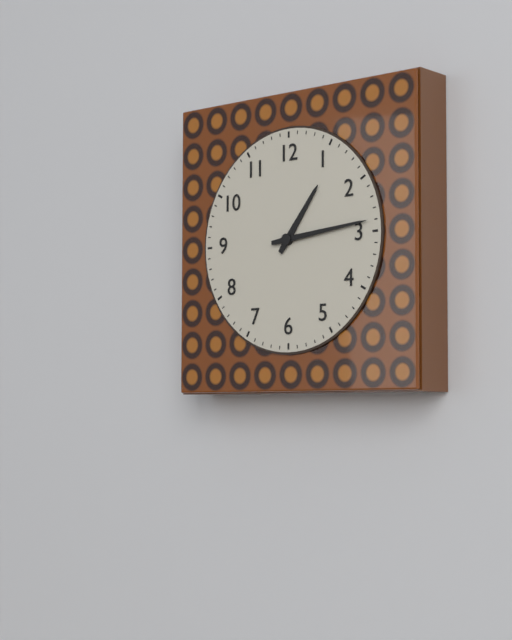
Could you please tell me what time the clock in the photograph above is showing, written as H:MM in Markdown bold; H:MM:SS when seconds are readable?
**1:14**
